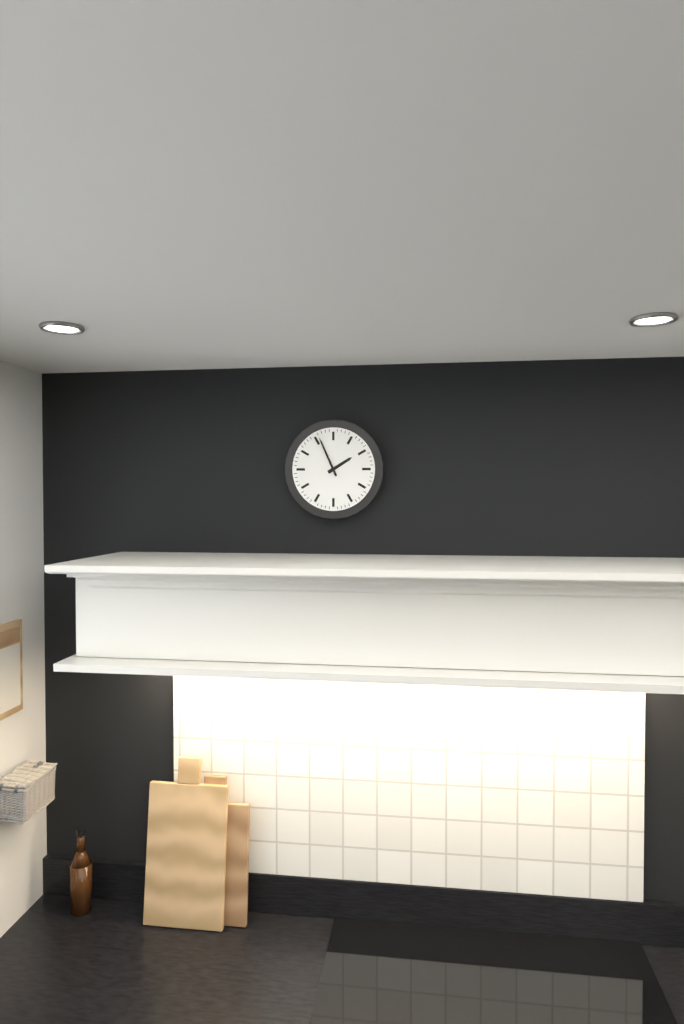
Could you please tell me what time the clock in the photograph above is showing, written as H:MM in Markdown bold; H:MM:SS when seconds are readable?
**1:56**
